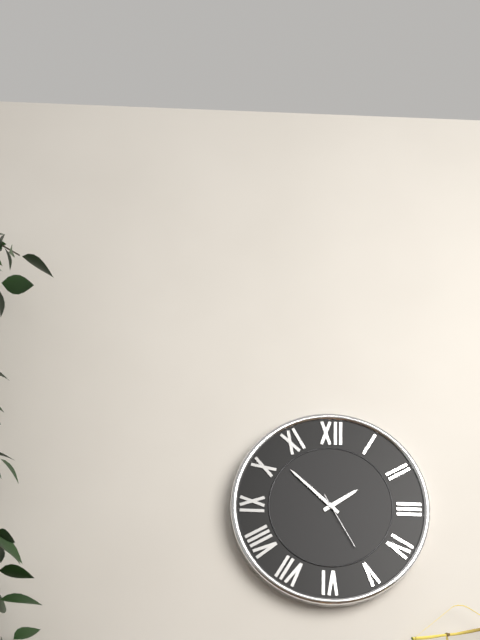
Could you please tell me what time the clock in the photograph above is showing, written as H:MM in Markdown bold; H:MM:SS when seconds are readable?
**1:52:25**
